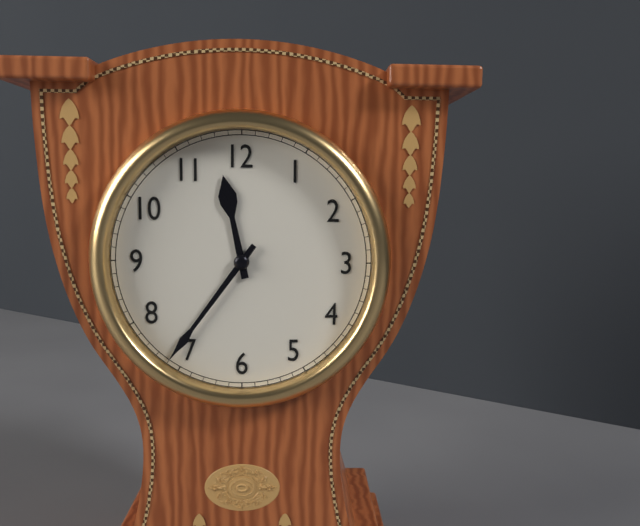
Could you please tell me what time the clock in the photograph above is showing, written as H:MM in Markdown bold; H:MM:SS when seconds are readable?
**11:36**
